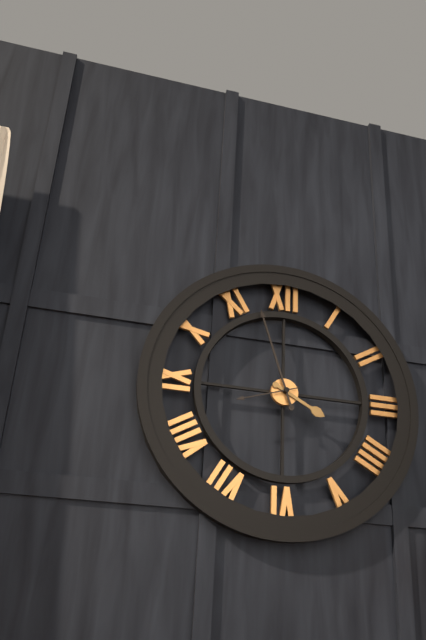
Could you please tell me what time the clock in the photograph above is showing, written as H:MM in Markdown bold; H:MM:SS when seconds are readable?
**3:57:42**
